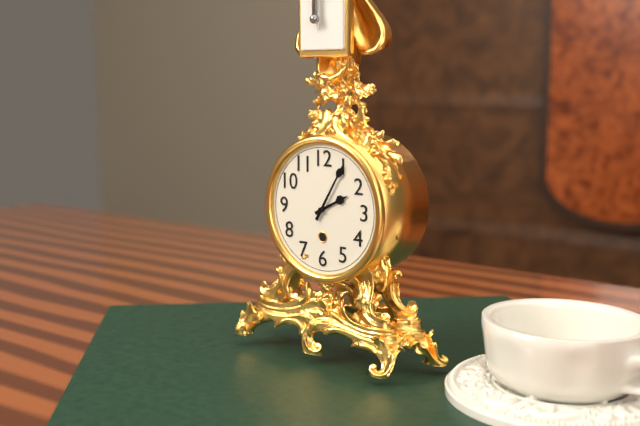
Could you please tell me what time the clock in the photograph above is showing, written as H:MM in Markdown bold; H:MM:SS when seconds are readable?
**2:05**
